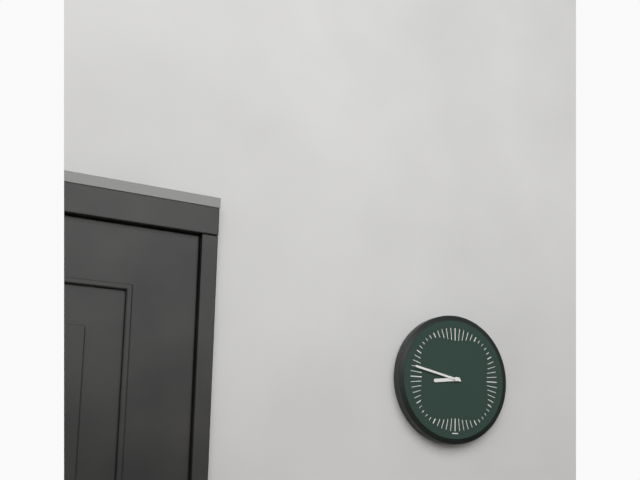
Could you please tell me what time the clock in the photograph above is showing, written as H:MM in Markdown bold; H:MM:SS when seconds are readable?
**8:47**
